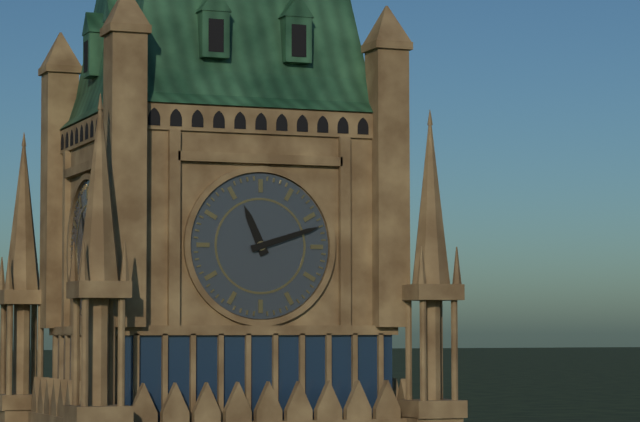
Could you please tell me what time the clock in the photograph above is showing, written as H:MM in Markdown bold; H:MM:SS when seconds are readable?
**11:12**
